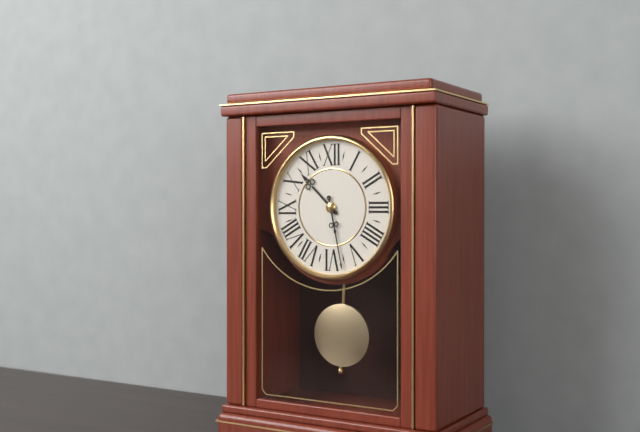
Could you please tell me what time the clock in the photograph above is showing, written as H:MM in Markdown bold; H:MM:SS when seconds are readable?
**10:28**
